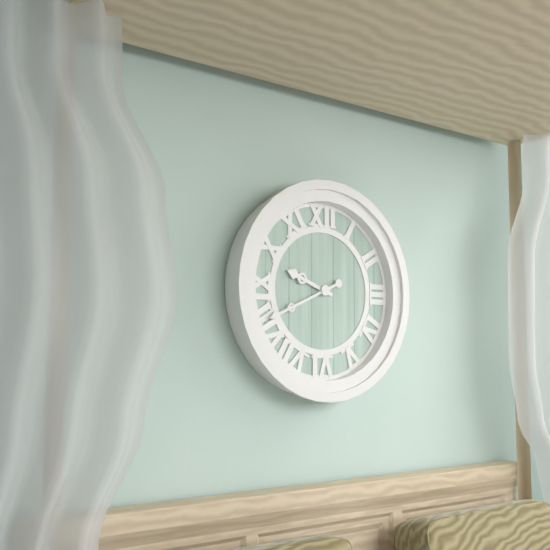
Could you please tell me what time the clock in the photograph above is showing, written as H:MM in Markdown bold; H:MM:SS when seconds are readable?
**9:41**
